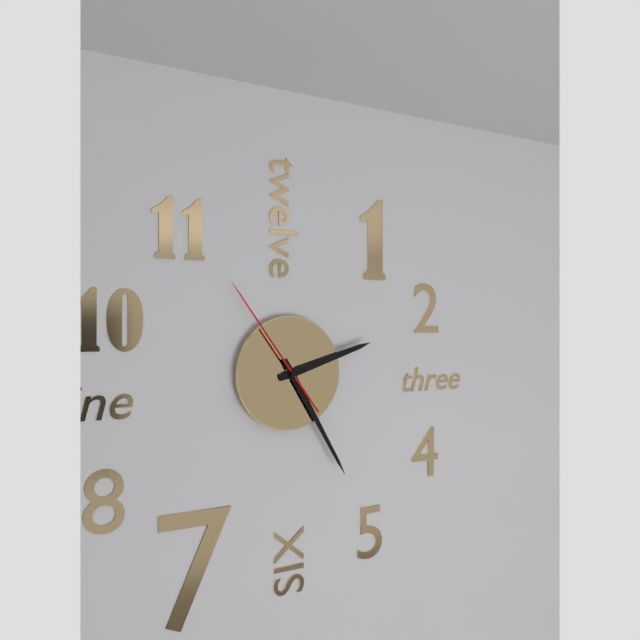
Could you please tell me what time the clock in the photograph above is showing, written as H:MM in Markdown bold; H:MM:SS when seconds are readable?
**2:25:54**
